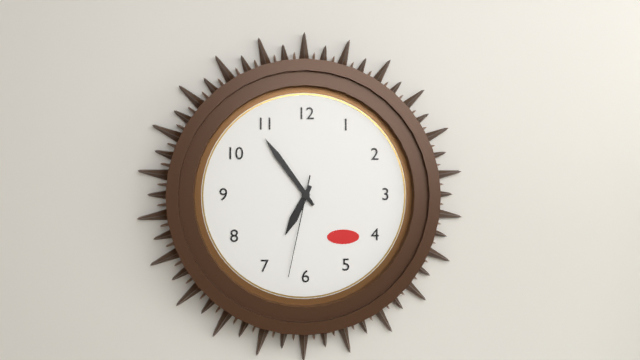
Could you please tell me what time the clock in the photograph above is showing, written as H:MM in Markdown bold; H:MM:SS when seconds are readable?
**6:54:32**
